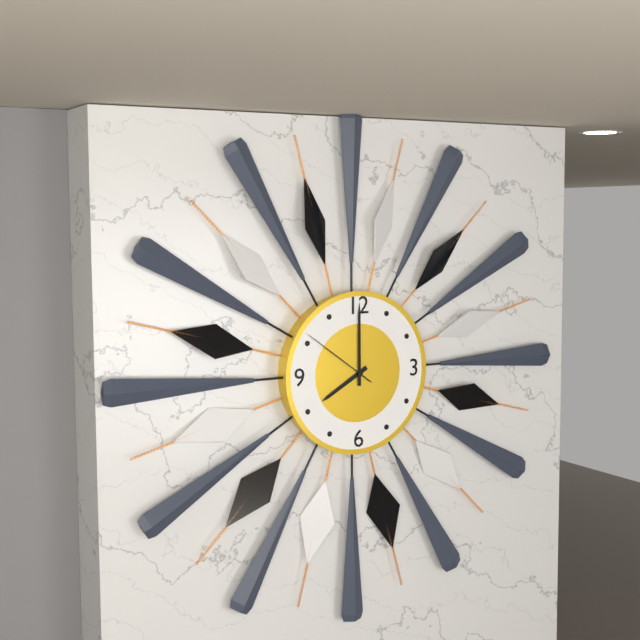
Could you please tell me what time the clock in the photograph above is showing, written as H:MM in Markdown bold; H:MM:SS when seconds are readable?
**8:00:51**
